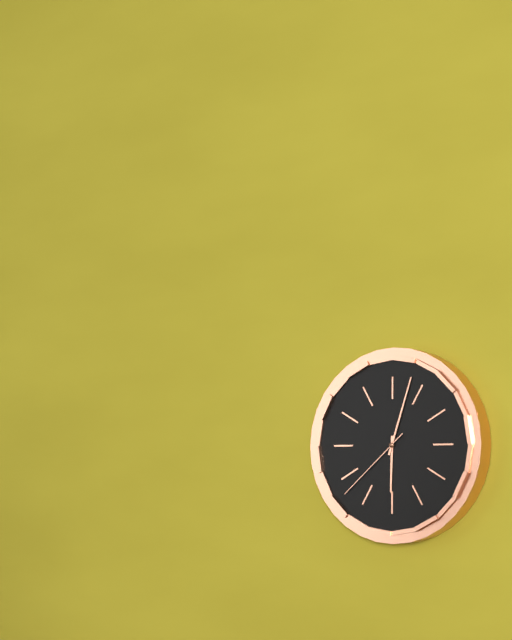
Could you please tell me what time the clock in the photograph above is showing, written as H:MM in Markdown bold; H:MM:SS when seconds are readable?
**6:03:38**
